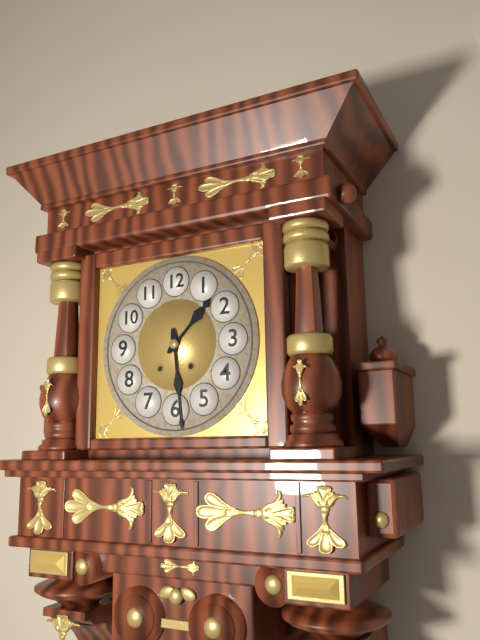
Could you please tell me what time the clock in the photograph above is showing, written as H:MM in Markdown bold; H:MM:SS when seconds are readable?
**1:29**
